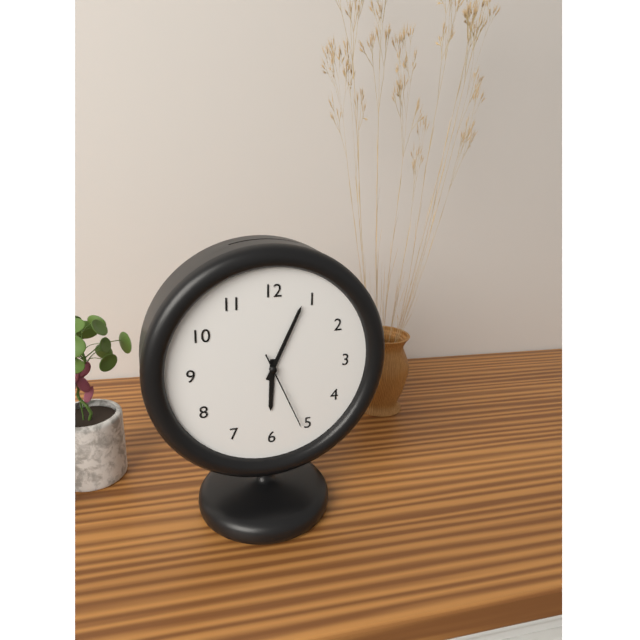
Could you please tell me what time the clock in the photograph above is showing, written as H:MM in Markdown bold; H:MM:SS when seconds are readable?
**6:04:26**
